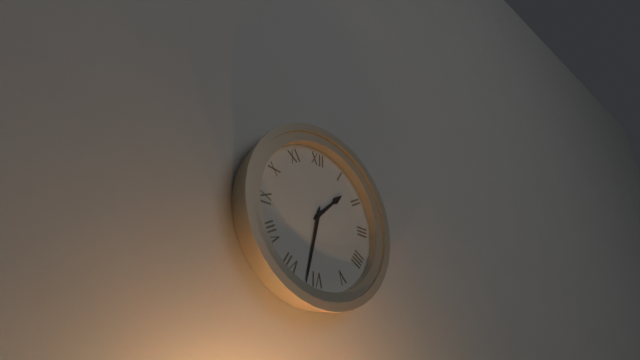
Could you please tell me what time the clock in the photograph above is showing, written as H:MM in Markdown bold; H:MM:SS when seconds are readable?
**1:32**
